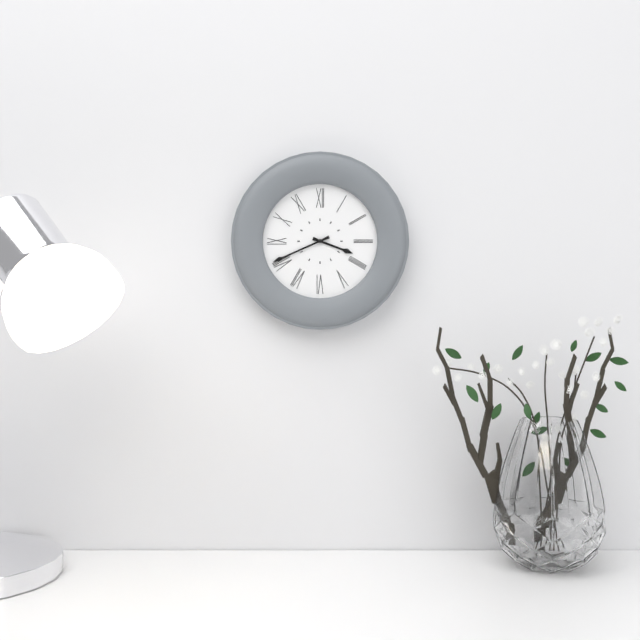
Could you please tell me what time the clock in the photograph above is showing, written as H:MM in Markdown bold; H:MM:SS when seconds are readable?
**3:41**
